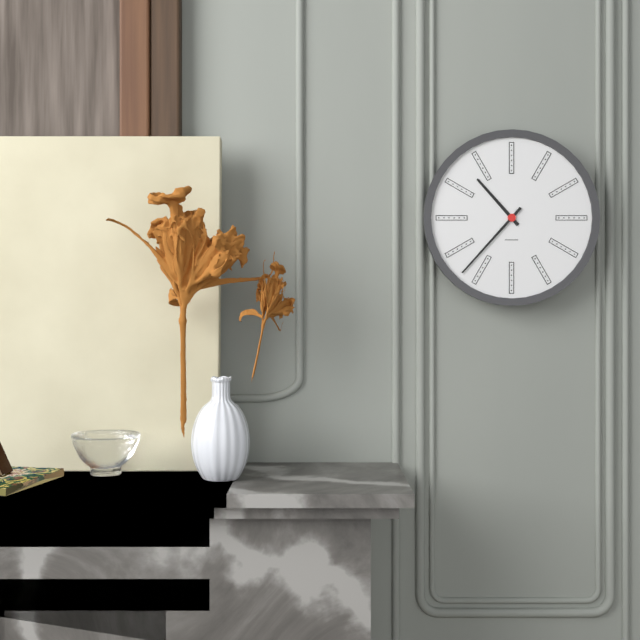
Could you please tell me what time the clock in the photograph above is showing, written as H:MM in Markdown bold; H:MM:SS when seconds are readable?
**10:37**
